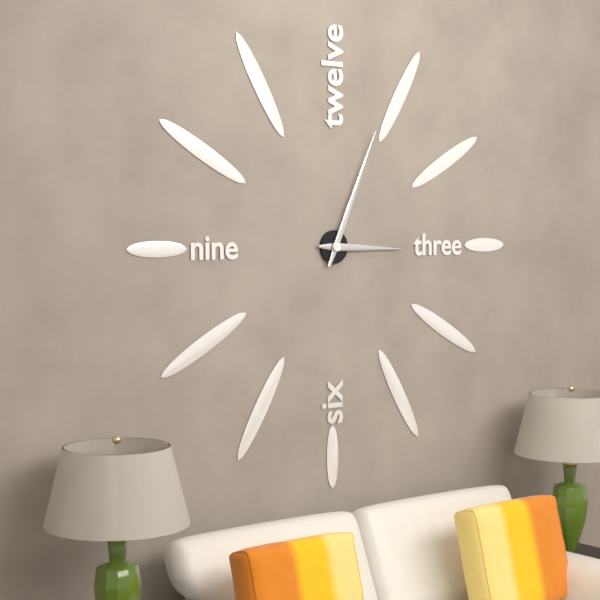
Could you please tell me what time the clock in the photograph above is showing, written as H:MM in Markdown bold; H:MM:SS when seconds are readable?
**3:04**
